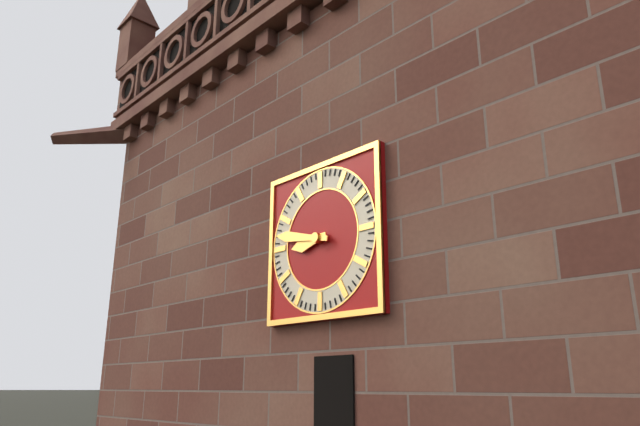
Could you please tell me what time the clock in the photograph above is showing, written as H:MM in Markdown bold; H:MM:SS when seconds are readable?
**8:47**
